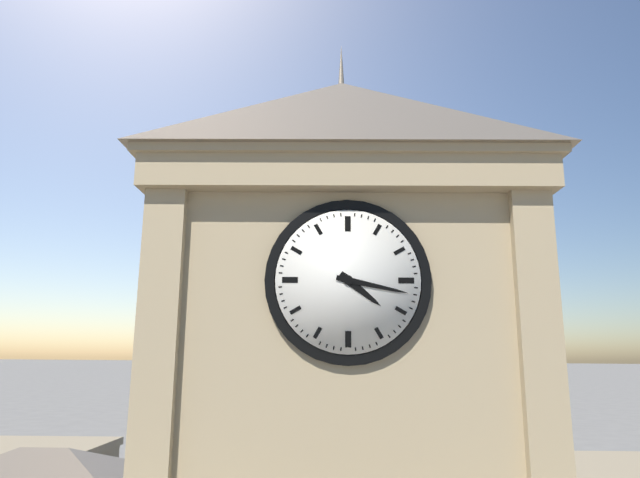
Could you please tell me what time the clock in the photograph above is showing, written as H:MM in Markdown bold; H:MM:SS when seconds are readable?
**4:17**
